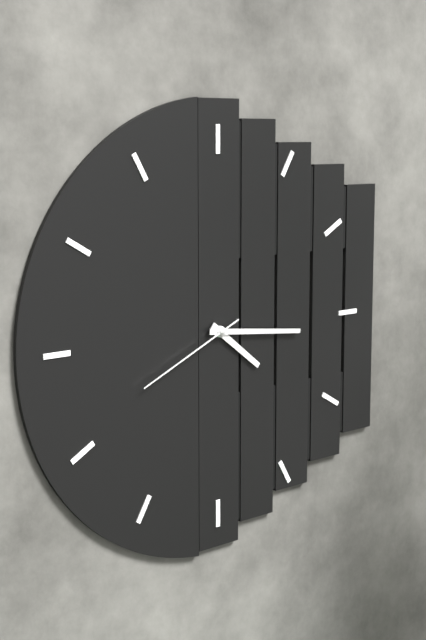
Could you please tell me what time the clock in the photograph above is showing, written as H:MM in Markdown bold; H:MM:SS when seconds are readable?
**4:16:41**
